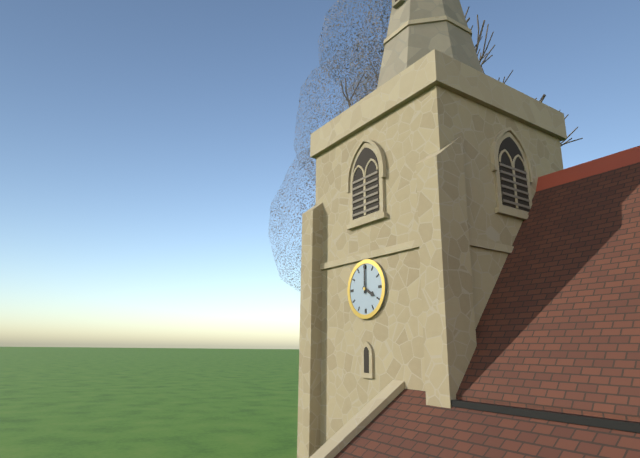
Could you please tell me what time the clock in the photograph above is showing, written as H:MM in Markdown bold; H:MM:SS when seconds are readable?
**4:00**
